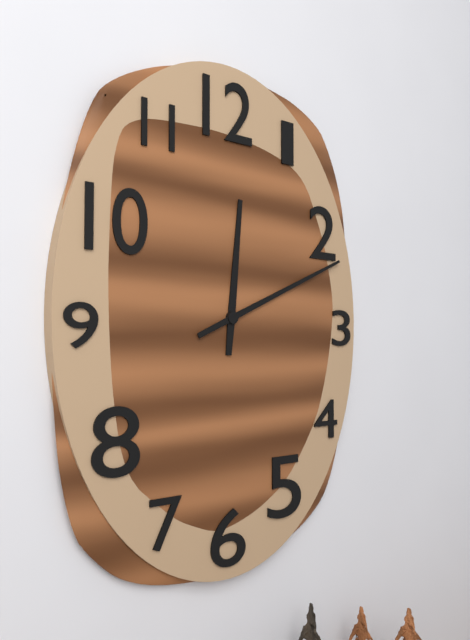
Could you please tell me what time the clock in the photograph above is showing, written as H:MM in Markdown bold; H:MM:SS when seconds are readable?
**12:11**
